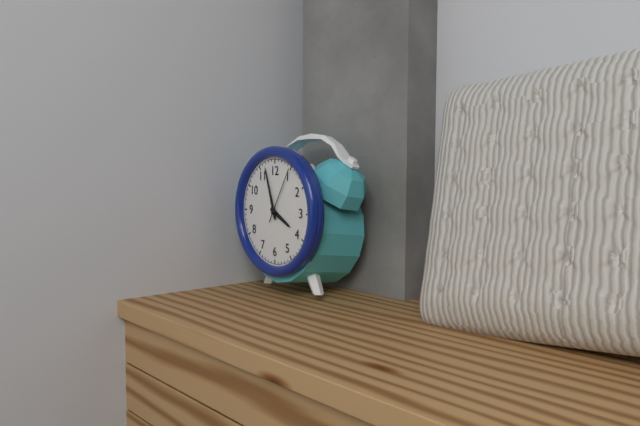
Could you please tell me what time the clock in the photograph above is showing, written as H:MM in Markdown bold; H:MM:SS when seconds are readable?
**3:57:05**
